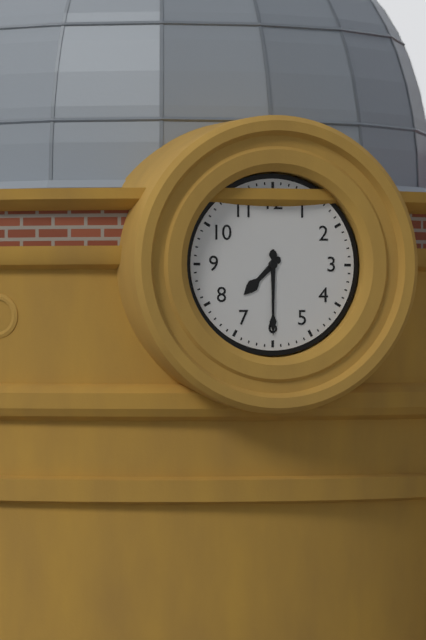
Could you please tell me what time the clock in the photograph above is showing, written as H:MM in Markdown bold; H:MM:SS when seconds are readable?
**7:30**
